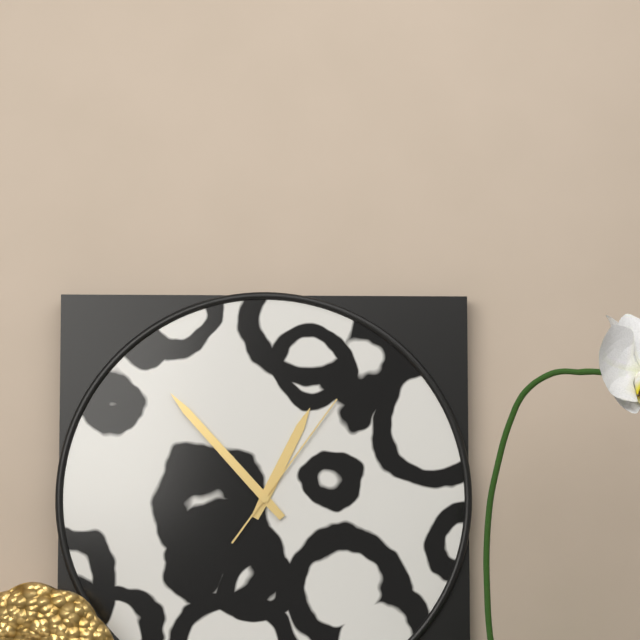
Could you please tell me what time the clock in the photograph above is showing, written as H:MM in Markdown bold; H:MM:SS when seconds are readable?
**12:53:06**
